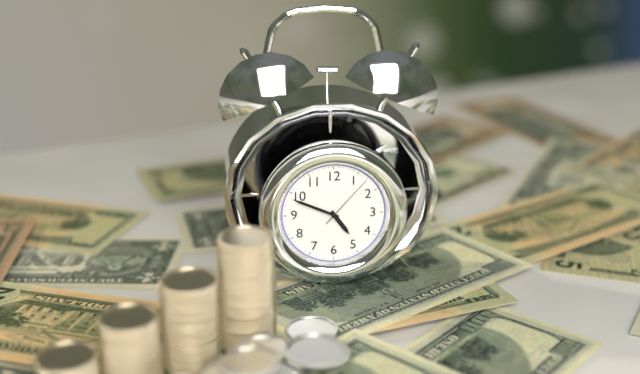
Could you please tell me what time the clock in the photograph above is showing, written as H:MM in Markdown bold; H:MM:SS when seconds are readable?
**4:49:07**
